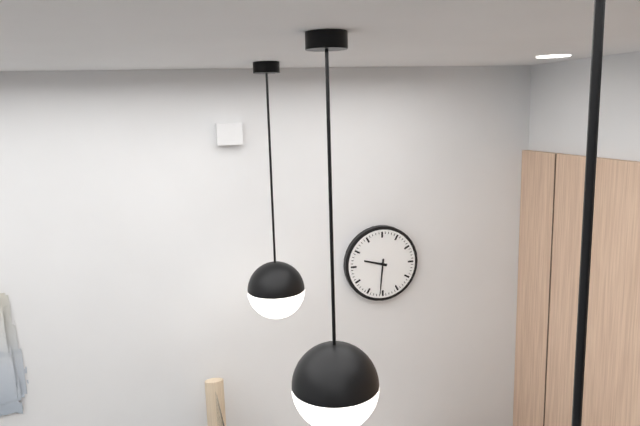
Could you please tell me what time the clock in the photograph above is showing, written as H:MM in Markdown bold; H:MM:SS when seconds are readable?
**9:31**
